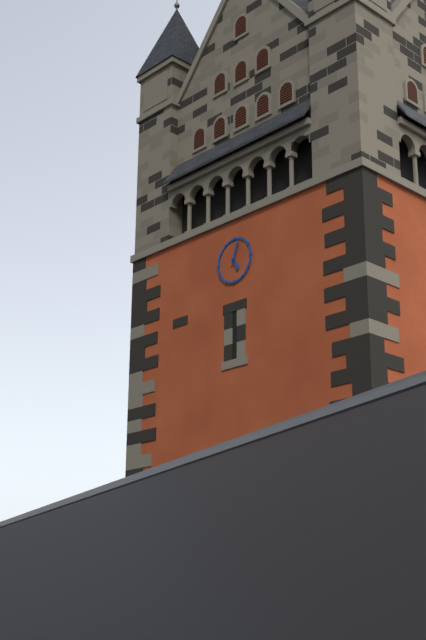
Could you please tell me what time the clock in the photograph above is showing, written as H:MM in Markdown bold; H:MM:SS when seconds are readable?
**5:03**
